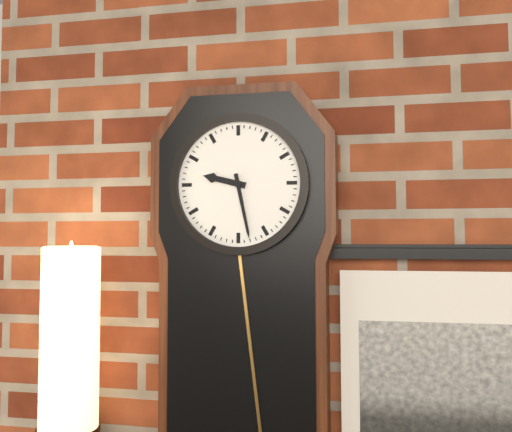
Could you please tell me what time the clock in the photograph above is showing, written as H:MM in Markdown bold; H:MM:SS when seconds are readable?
**9:28**
